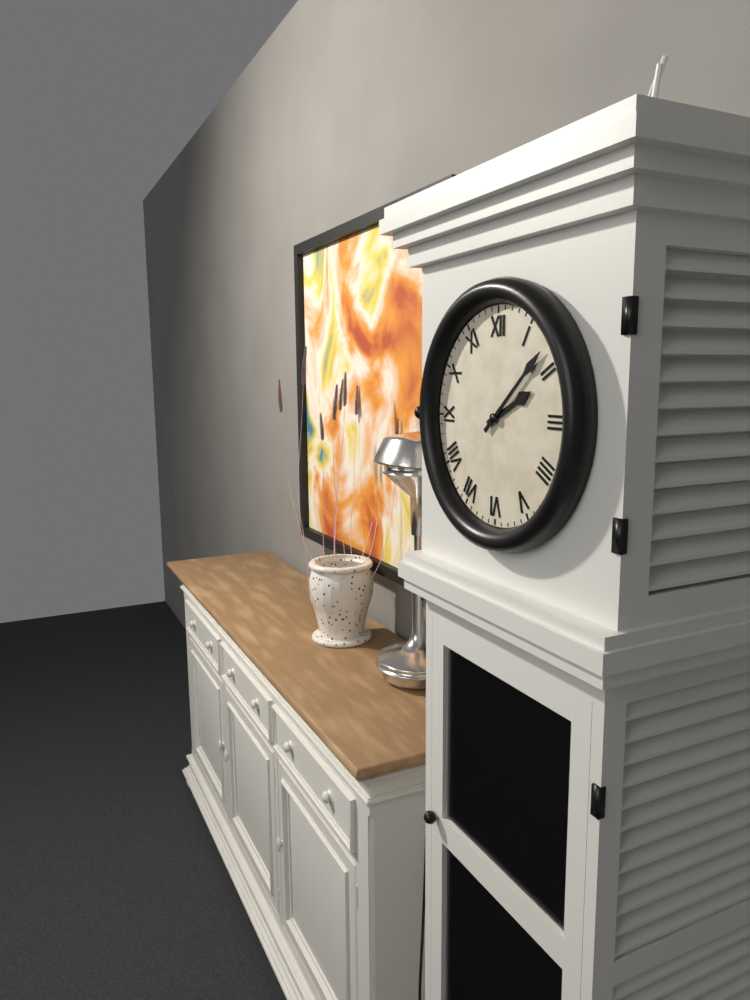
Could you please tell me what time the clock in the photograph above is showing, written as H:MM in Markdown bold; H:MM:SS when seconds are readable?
**2:08**
